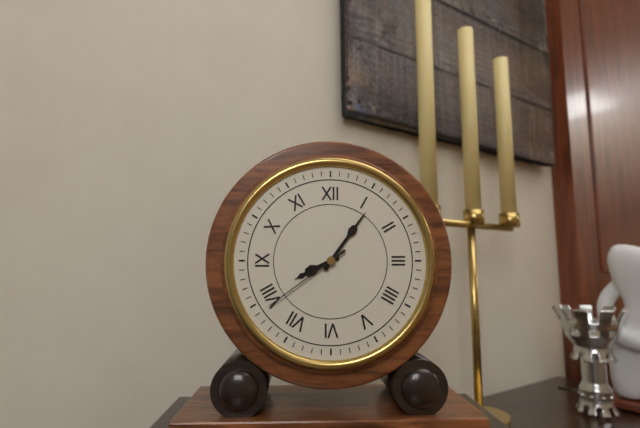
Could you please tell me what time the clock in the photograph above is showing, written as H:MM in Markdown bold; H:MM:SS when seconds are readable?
**8:06:39**
